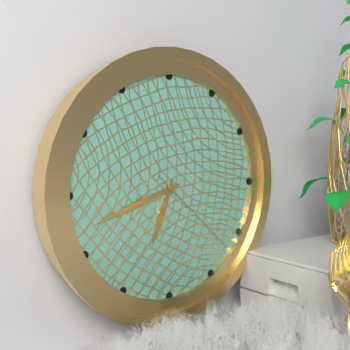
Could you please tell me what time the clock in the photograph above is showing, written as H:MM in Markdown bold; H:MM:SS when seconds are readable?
**6:42:22**
